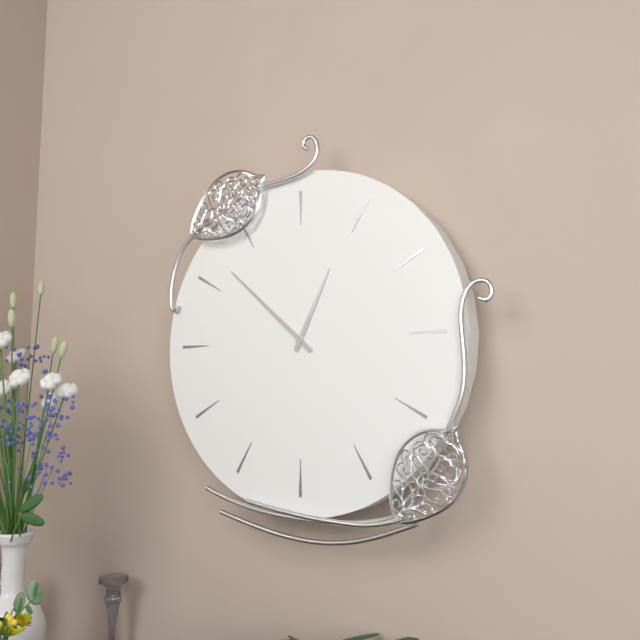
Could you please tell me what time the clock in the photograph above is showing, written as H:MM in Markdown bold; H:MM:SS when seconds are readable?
**12:52**
